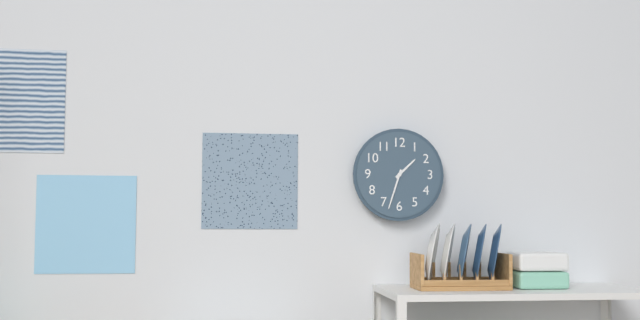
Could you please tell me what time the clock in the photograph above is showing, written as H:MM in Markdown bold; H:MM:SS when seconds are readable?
**1:33**
